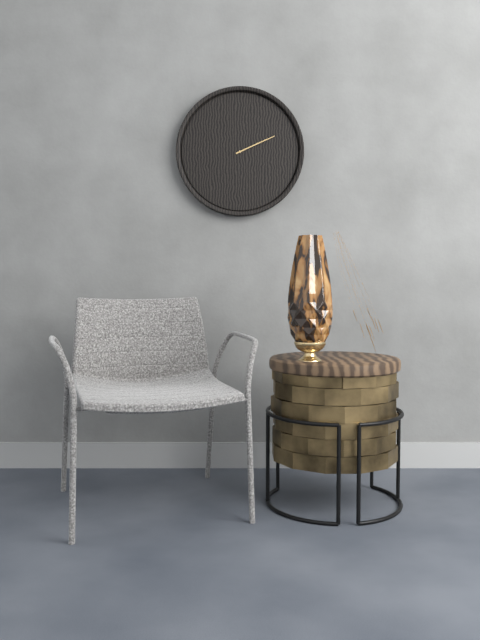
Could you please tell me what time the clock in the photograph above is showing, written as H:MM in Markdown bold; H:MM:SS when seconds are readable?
**2:11**
